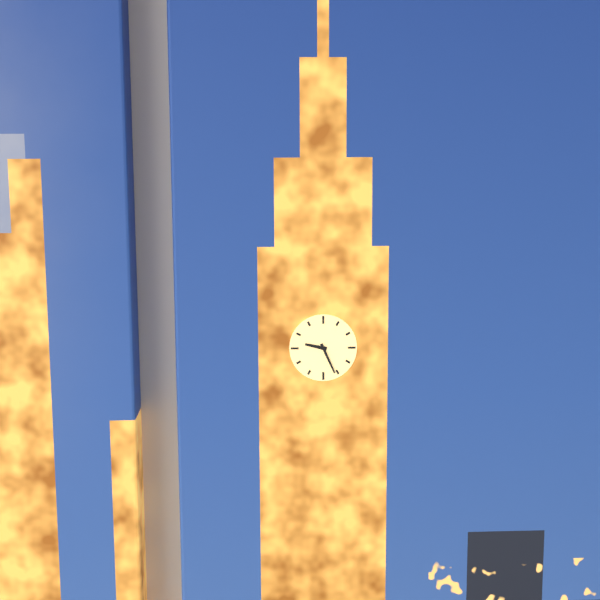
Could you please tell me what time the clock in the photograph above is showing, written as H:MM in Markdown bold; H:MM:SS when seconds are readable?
**9:26**
